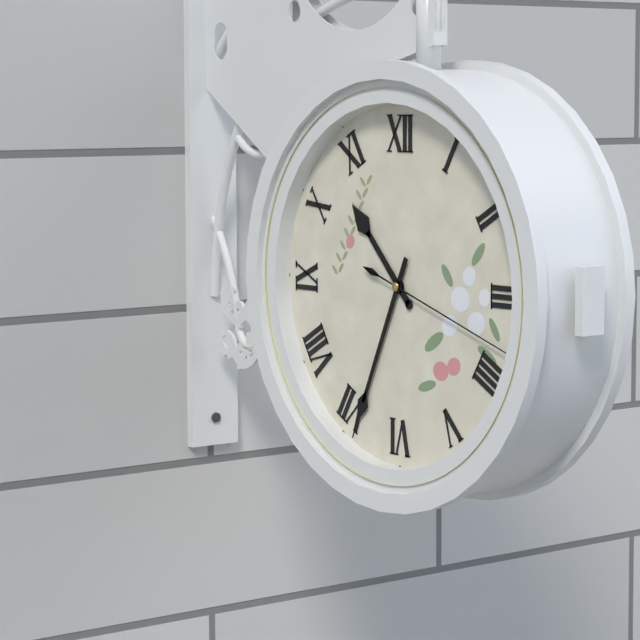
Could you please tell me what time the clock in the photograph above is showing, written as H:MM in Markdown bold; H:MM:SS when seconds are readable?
**10:34:18**
